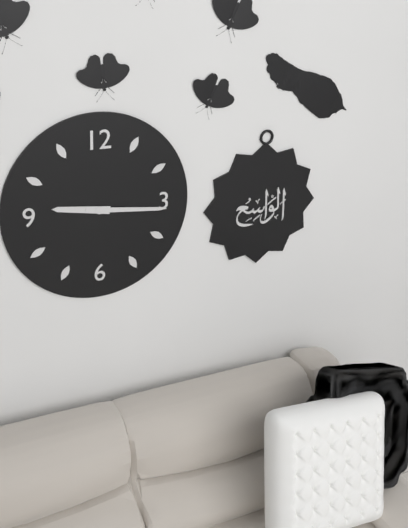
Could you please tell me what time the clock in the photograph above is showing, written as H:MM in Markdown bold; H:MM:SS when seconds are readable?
**9:16**
